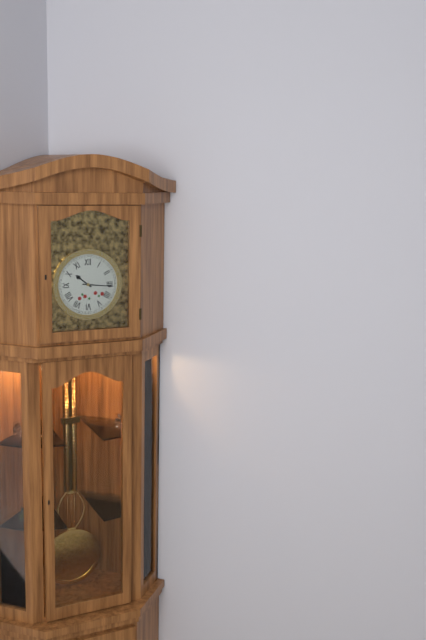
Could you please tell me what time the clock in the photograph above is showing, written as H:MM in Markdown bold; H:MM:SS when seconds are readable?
**10:16**
